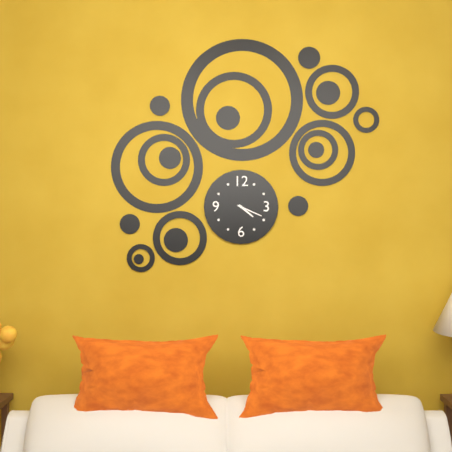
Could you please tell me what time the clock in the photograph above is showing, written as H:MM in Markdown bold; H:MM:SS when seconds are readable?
**4:19**
